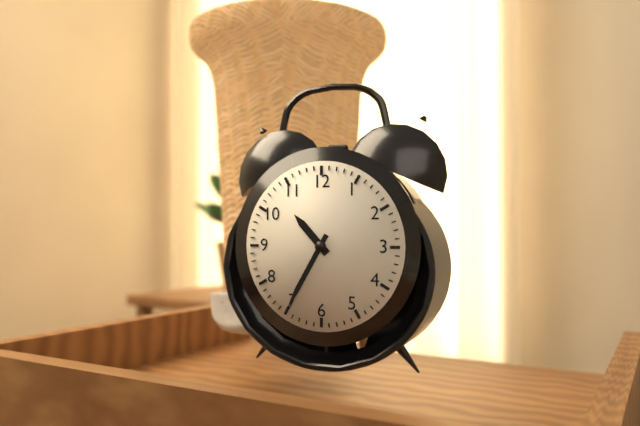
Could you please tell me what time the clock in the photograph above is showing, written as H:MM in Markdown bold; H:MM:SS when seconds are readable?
**10:35**
